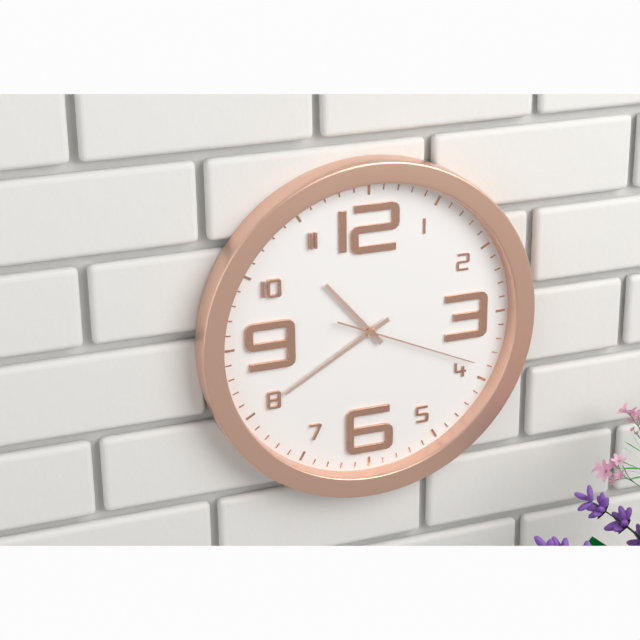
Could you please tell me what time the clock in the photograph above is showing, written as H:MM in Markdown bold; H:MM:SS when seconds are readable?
**10:40:19**
